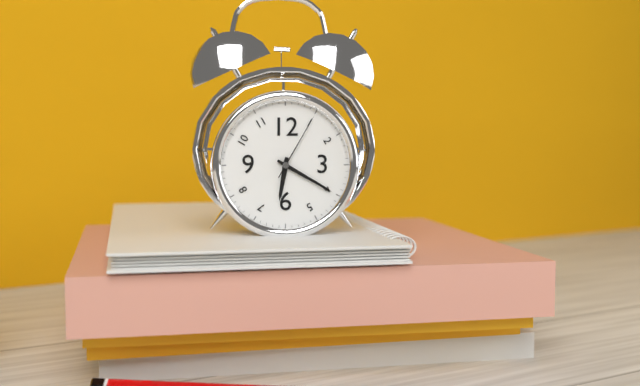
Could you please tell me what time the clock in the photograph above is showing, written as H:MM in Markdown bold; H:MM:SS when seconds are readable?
**6:20:05**
